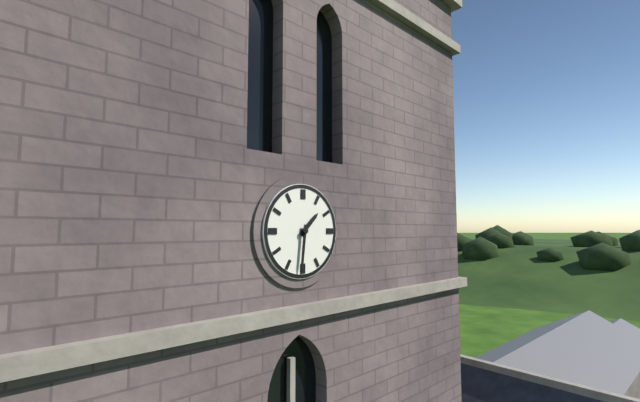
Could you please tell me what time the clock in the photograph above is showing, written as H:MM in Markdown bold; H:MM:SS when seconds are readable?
**1:31**
